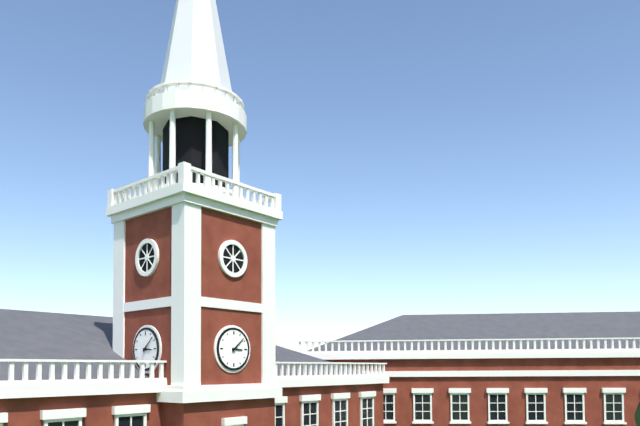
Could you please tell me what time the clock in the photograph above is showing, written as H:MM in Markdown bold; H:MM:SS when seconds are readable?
**3:08**
